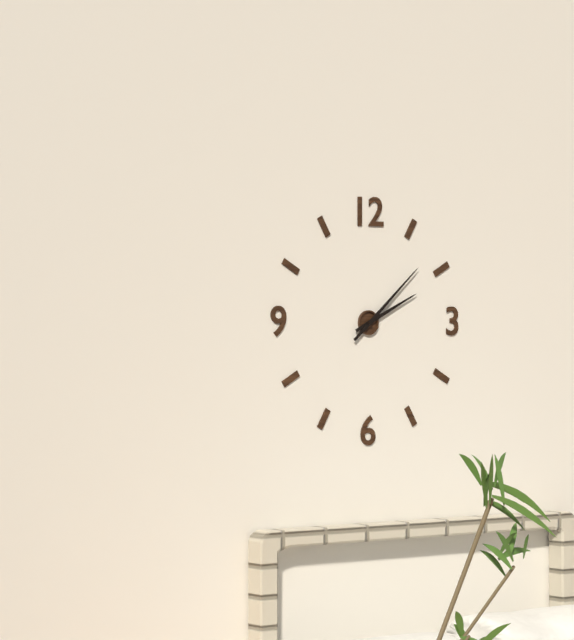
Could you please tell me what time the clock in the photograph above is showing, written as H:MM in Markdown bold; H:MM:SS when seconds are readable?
**2:08**
